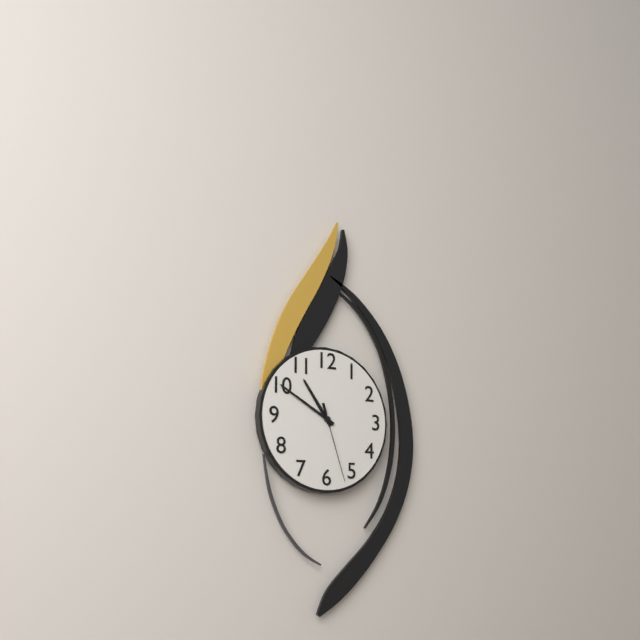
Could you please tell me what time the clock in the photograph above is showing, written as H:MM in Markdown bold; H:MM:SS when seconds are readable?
**10:50:27**
